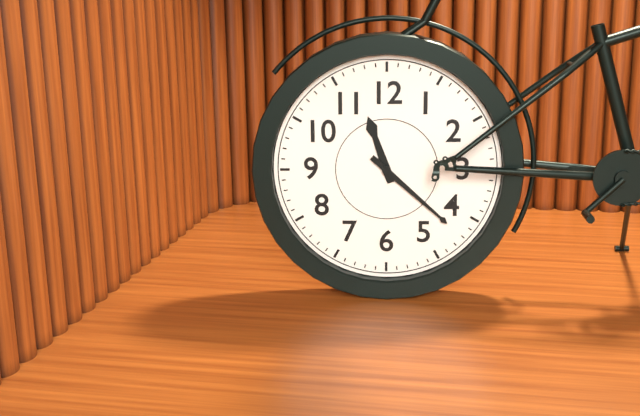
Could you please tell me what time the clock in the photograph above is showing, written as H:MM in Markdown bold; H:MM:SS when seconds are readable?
**11:22**
